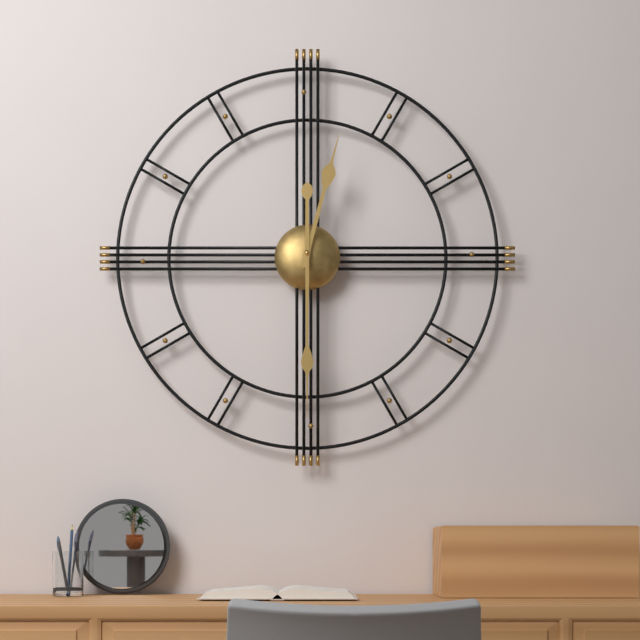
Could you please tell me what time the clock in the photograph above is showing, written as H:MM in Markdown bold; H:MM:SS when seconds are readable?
**12:30**
